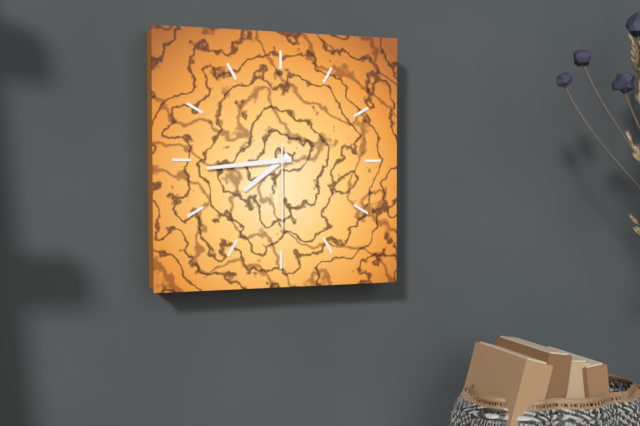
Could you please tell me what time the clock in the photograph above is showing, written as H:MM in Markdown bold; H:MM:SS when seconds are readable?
**7:44:30**
